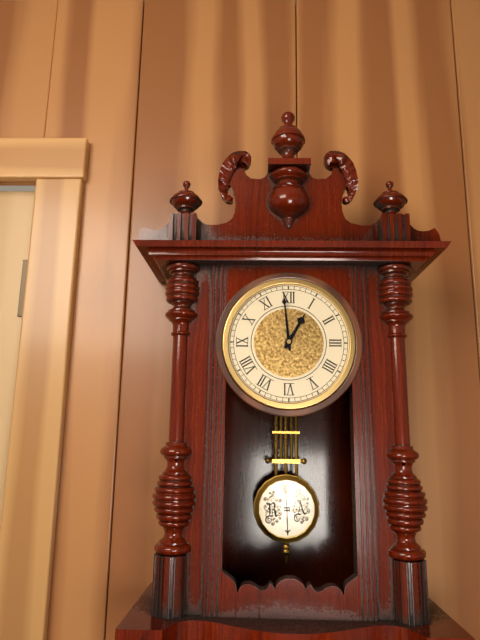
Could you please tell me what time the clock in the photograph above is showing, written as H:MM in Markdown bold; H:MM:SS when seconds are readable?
**12:59**
